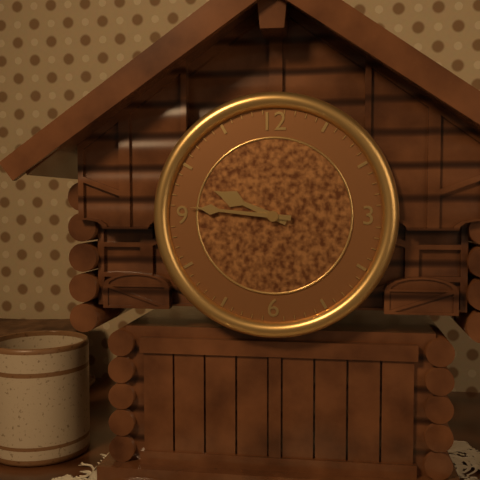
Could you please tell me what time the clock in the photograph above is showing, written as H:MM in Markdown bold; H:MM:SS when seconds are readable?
**9:46**
